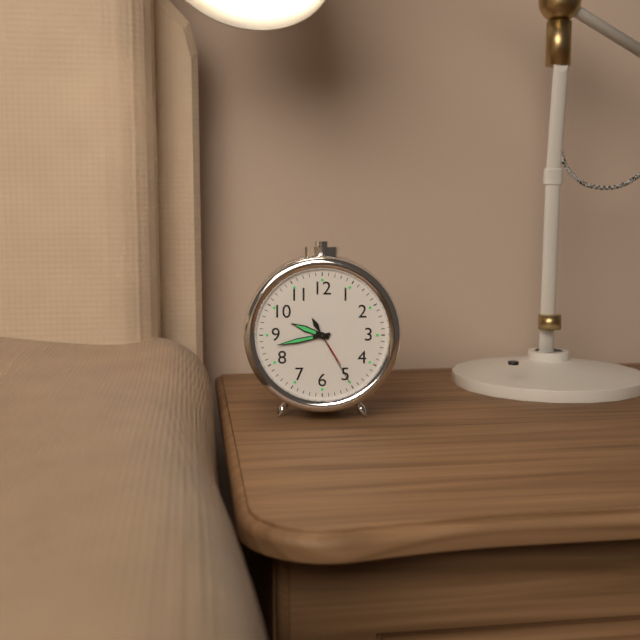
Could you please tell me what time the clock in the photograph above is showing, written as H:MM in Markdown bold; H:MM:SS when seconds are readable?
**9:43:25**
